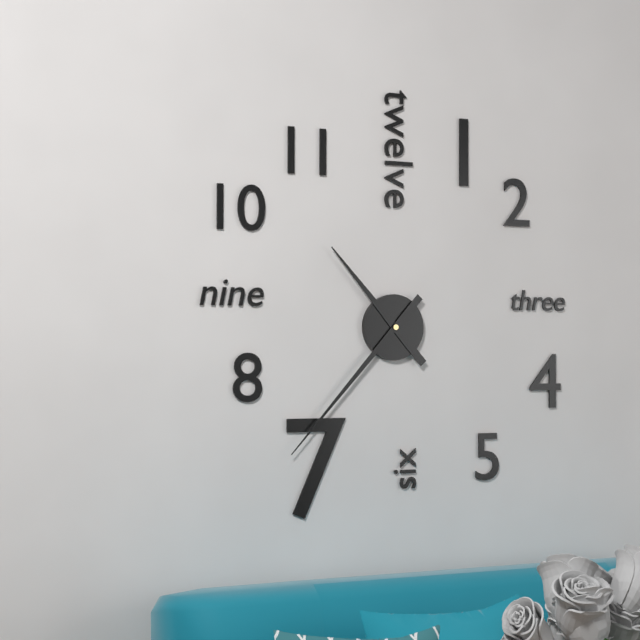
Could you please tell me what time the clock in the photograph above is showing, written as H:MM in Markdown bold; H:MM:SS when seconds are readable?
**10:37**
